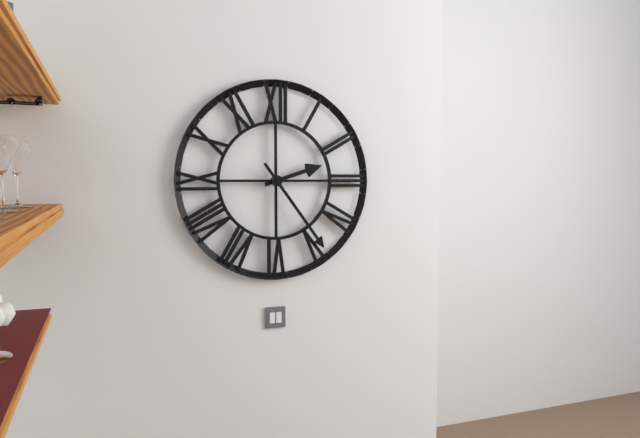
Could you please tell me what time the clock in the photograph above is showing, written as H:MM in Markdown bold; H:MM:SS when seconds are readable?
**2:24**
